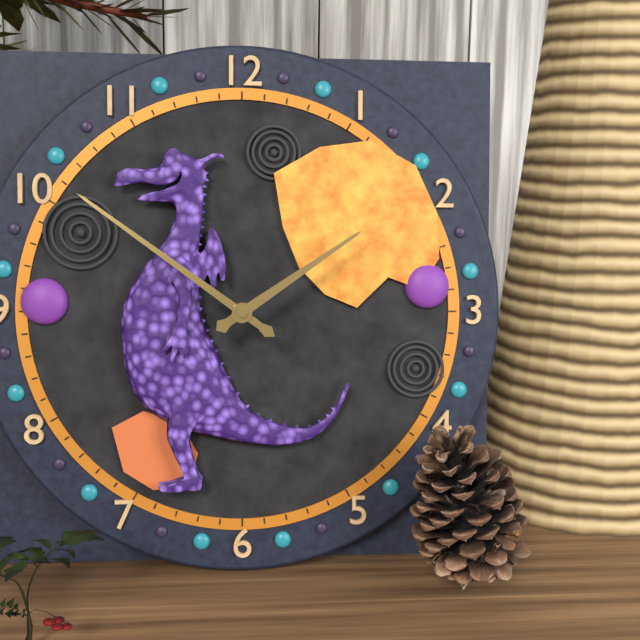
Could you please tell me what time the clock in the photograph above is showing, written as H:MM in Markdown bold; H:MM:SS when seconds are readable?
**1:51**
